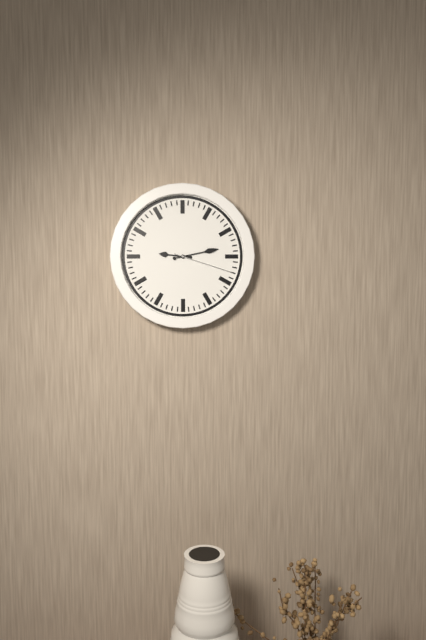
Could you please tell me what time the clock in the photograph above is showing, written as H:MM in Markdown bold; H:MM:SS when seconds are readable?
**9:13:18**
